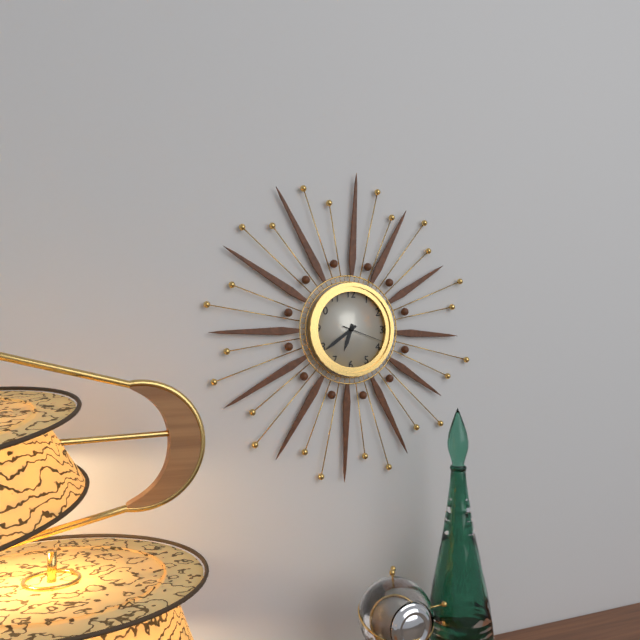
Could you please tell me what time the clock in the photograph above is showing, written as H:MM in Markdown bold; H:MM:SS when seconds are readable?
**6:39**
